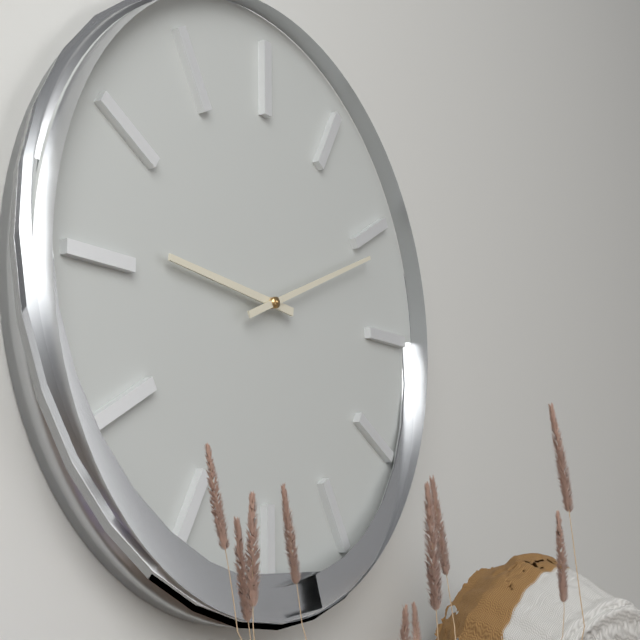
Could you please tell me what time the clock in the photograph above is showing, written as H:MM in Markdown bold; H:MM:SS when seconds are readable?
**9:11**
